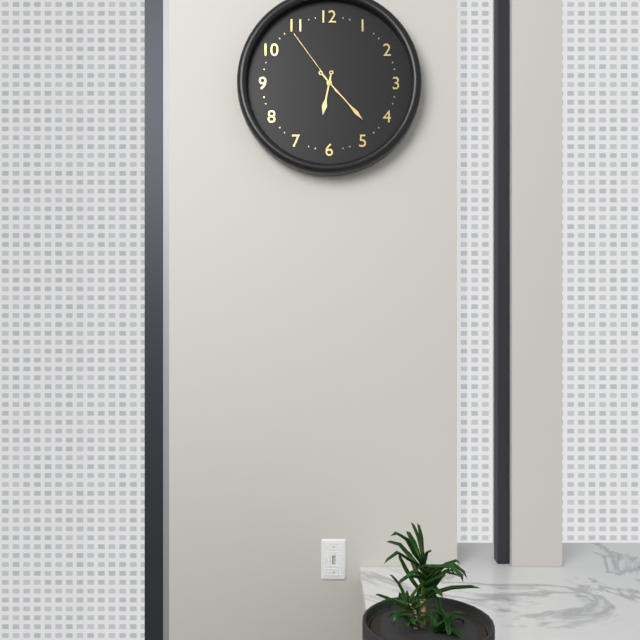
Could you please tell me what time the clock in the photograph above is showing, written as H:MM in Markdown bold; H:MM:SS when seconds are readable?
**6:23:54**
